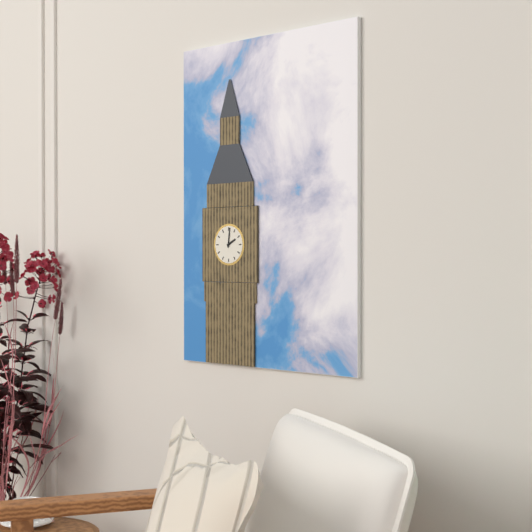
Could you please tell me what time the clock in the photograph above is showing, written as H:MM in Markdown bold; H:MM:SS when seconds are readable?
**2:01**
